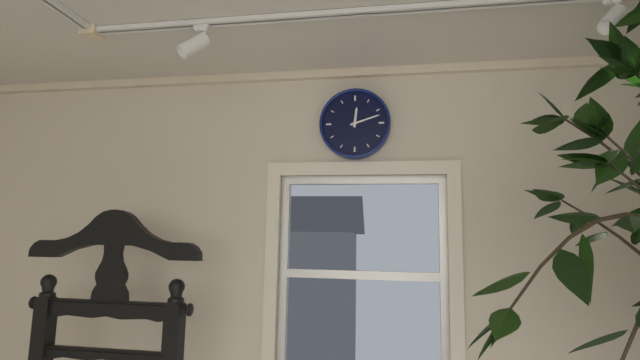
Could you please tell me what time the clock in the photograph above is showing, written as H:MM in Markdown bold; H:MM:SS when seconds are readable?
**12:12**
